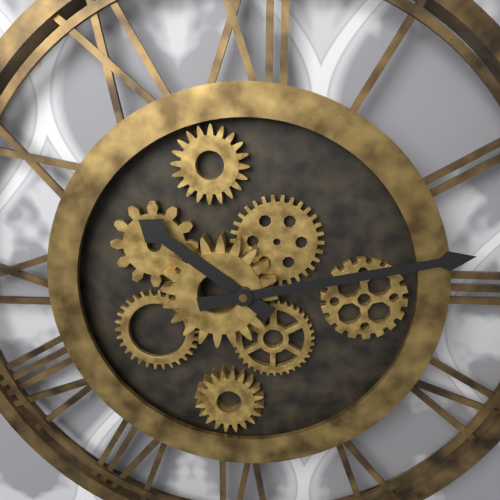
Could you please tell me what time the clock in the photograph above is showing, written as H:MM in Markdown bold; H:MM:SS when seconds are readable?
**10:13**
